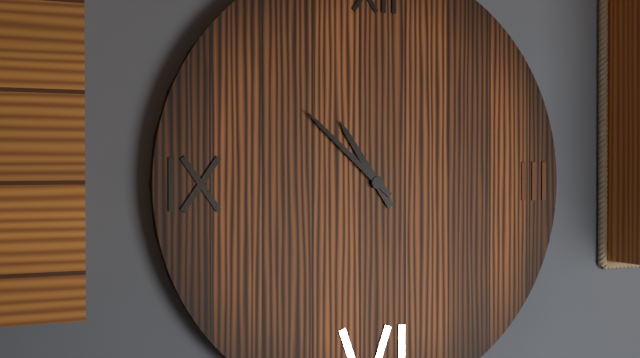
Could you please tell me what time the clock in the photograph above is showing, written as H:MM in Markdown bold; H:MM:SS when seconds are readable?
**10:52**
